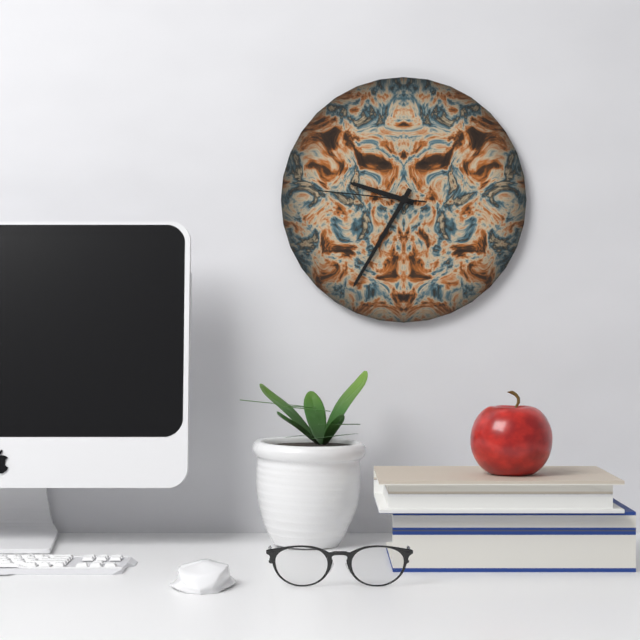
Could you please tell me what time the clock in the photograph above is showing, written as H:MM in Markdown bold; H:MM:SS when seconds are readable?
**9:35:46**
